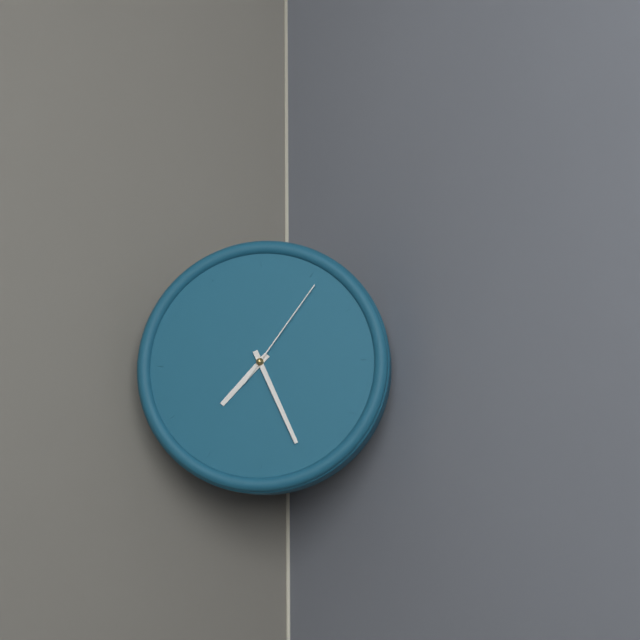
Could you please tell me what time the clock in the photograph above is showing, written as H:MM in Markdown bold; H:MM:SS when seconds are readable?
**7:26:06**
